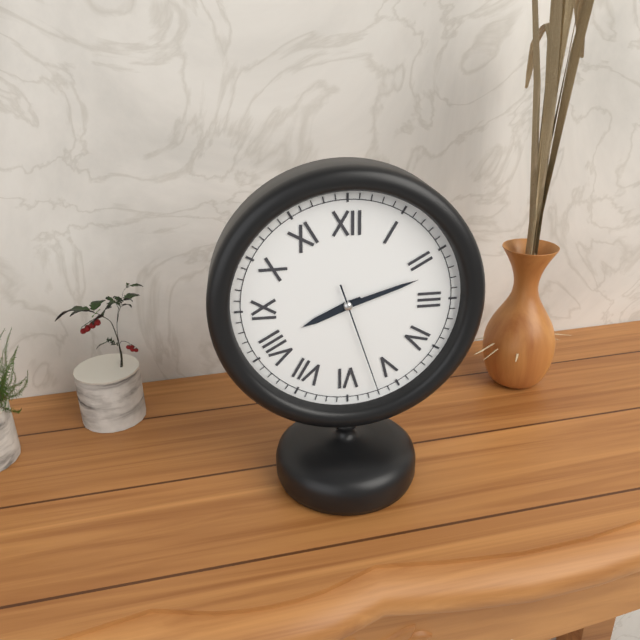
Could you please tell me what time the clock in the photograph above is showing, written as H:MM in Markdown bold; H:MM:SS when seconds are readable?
**8:12:27**
